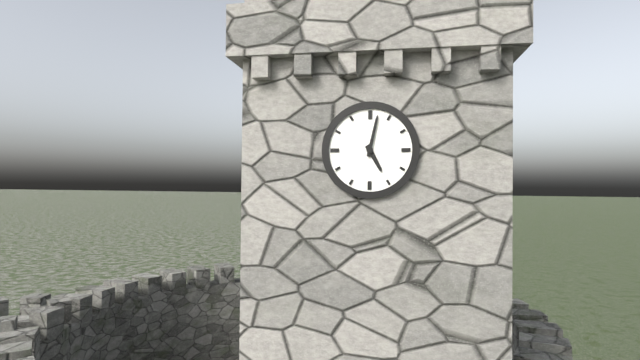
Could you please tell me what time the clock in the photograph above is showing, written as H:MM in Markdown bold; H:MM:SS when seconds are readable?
**5:02**
